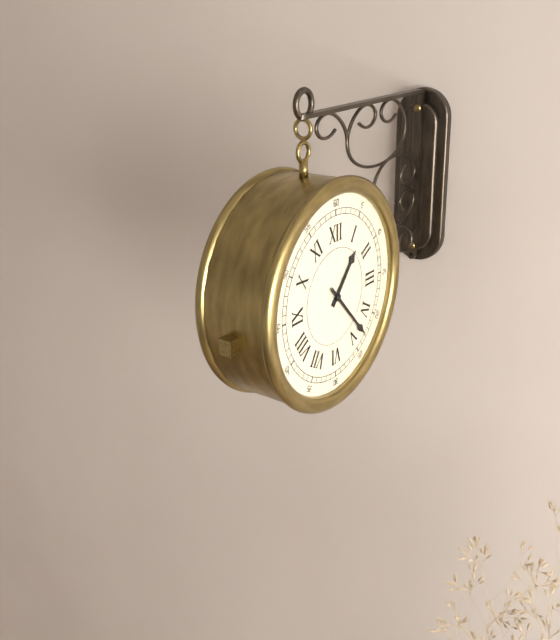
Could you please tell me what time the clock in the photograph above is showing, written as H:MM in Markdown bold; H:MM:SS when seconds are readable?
**1:23**
